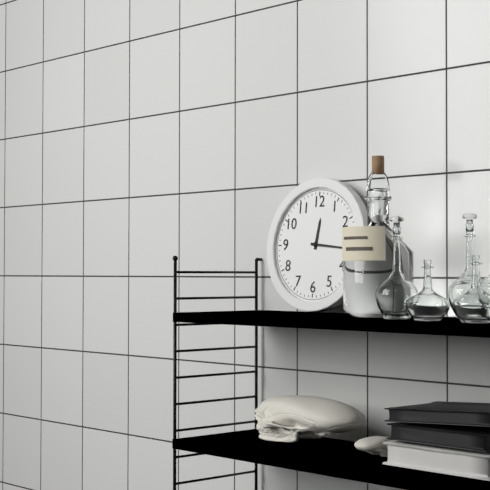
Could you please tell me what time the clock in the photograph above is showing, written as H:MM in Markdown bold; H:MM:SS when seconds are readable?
**12:16**
